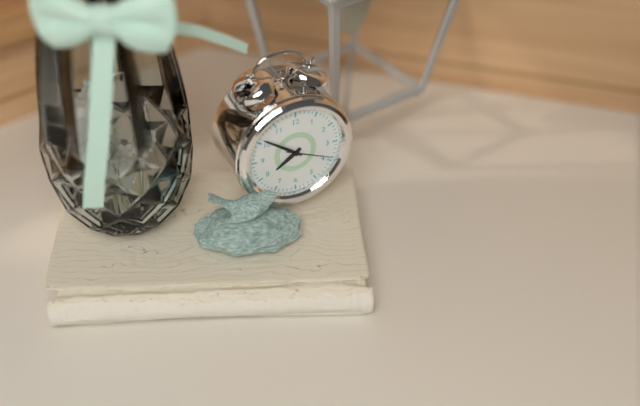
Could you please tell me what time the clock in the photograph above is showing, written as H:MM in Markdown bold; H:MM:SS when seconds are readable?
**7:51**
